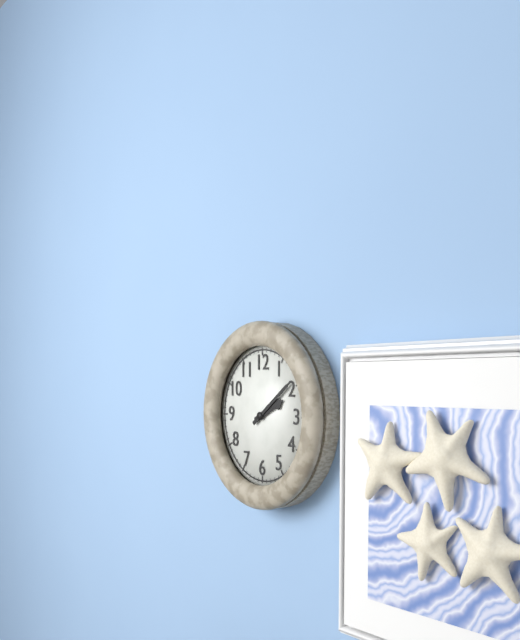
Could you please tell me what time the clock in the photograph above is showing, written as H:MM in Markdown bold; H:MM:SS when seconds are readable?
**2:09**
